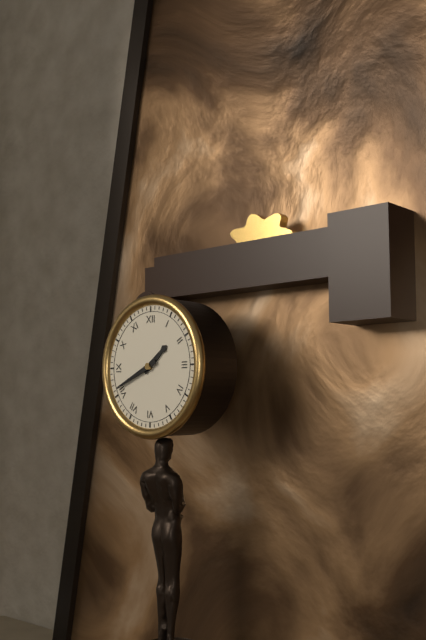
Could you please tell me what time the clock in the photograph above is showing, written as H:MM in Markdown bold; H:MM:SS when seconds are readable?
**1:41**
